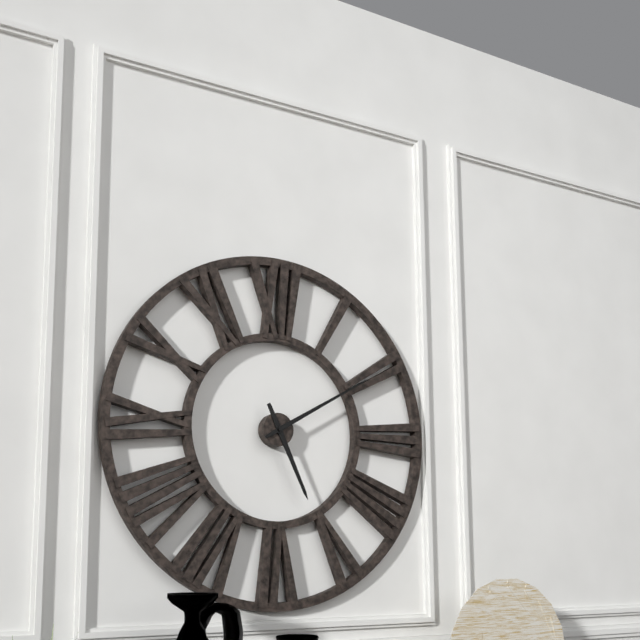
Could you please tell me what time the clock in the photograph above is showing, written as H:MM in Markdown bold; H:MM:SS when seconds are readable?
**5:10**
